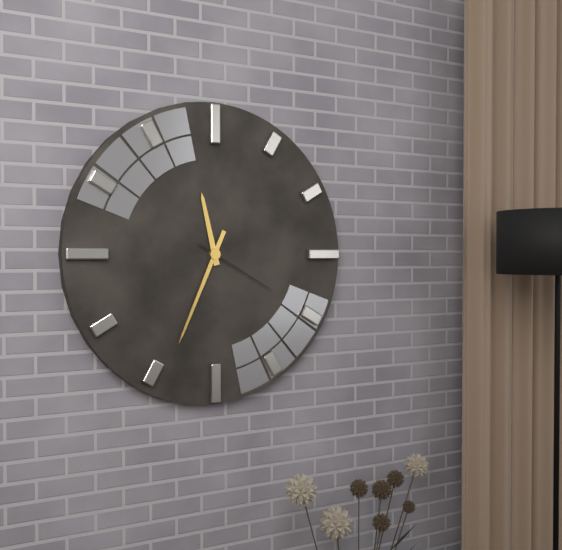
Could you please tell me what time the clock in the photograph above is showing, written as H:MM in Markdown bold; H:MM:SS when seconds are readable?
**11:34:20**
